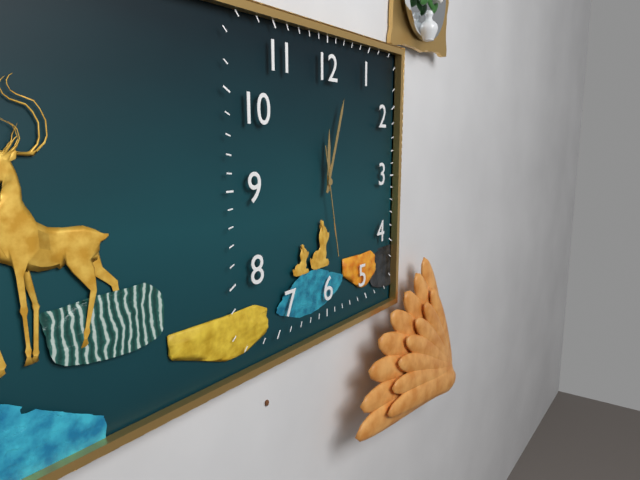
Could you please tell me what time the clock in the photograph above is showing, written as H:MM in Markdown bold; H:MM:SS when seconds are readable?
**12:03:28**
